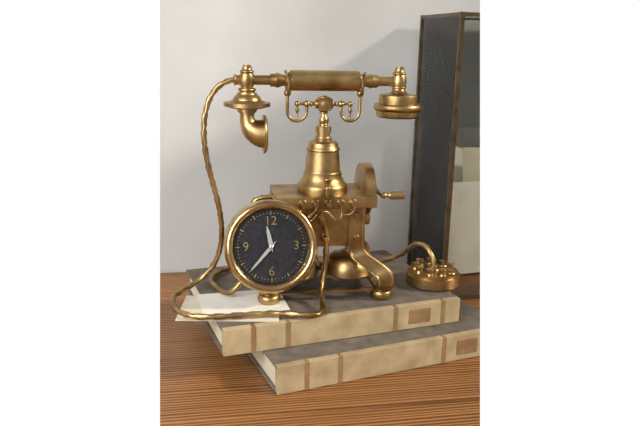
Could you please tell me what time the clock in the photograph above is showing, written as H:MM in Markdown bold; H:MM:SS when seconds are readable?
**11:37**
